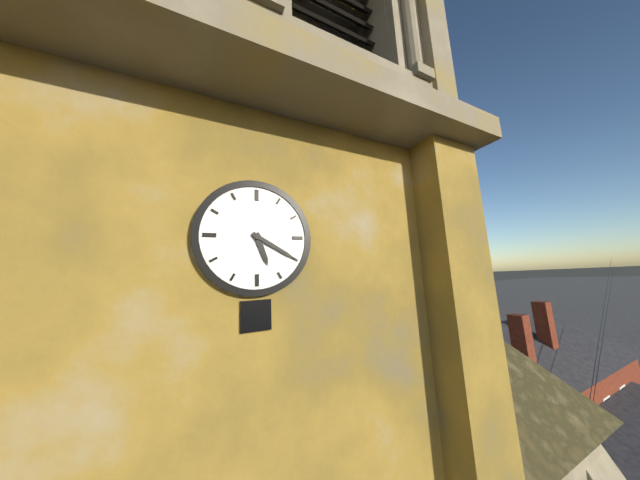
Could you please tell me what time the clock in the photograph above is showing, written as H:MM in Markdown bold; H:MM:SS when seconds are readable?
**5:20**
